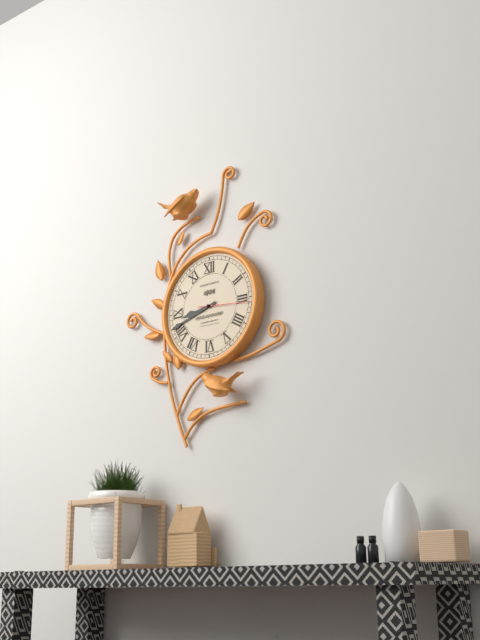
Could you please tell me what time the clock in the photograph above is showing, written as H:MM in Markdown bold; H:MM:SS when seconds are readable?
**8:42:16**
